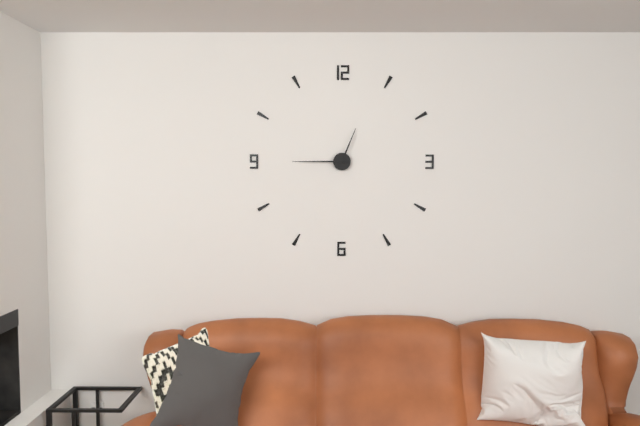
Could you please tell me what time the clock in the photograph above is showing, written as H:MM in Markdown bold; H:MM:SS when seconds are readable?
**12:45**
